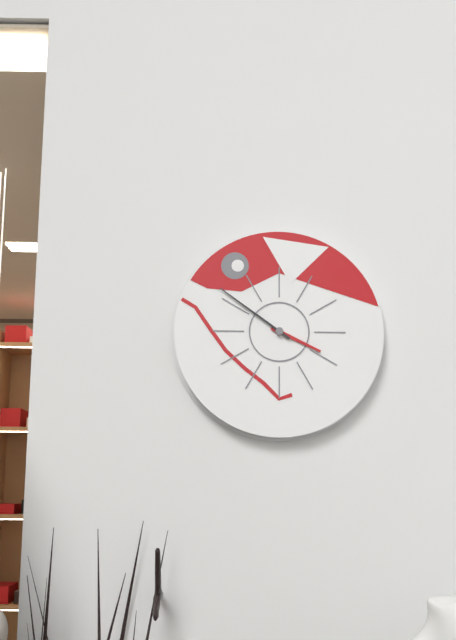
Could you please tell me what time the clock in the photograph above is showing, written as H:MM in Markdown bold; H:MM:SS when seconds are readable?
**3:51**
